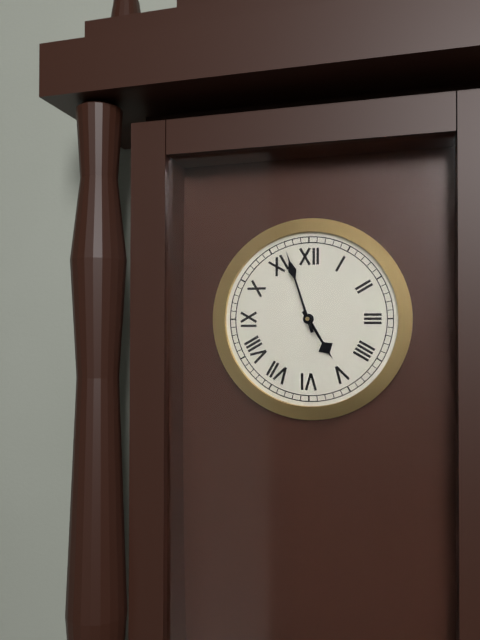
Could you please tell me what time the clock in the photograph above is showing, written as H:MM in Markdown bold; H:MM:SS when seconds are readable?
**4:57**
